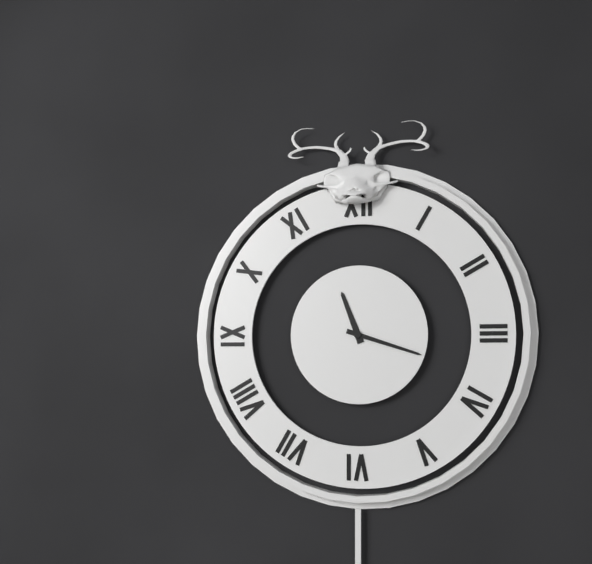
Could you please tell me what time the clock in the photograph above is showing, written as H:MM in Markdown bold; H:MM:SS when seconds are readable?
**11:18**
